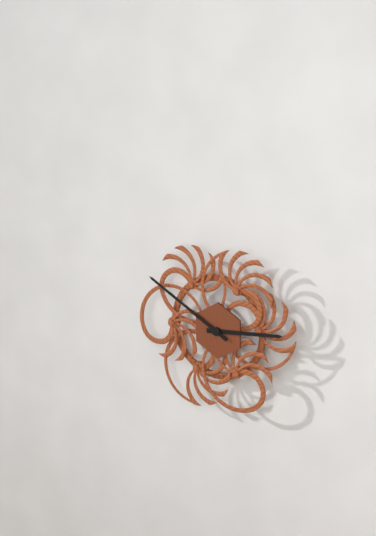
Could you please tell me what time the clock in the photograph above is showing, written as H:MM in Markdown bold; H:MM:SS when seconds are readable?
**2:50**
